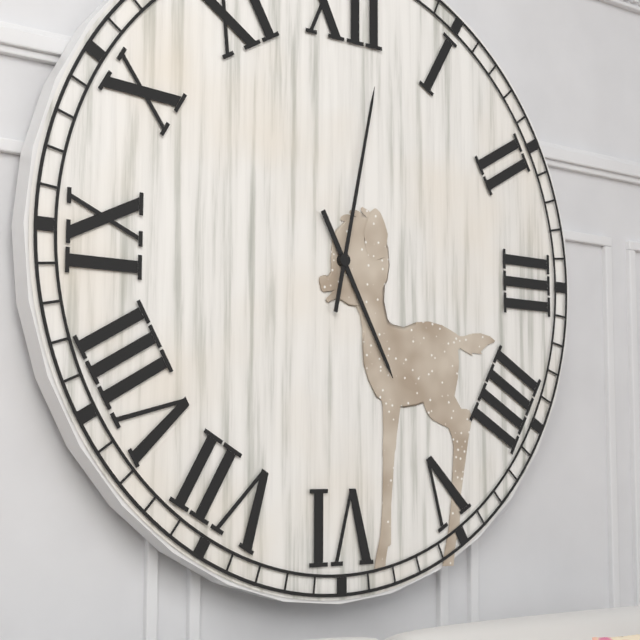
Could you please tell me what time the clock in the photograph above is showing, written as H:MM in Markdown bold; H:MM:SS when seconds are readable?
**5:02**
